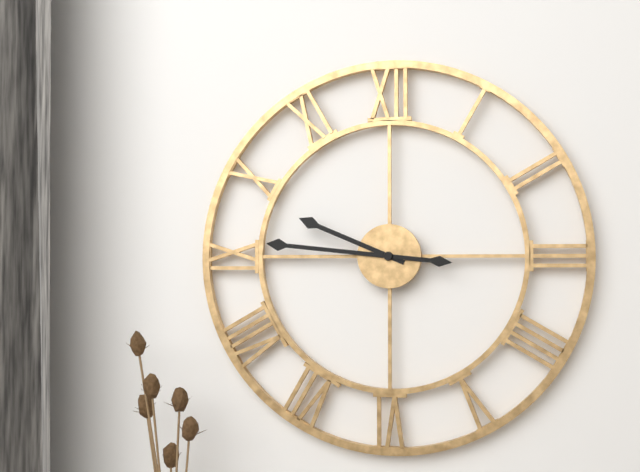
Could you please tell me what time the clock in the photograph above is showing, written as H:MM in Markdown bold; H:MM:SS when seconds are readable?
**9:46**
